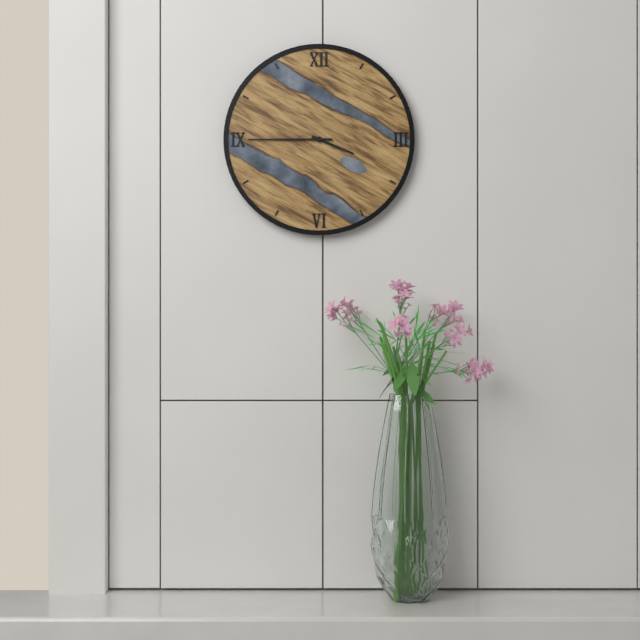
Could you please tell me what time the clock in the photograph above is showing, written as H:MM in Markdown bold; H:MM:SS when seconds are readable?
**3:45**
